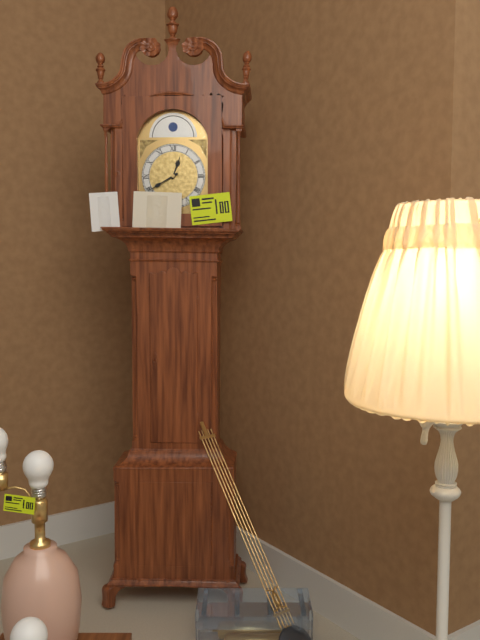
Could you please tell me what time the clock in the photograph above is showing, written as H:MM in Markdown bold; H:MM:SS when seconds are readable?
**12:40**
